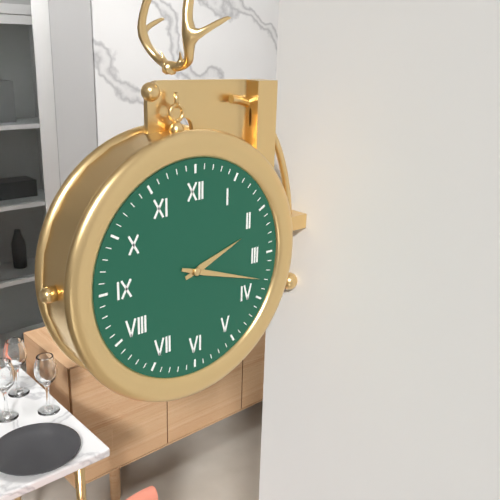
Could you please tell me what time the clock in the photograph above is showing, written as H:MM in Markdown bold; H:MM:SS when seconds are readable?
**2:18**
